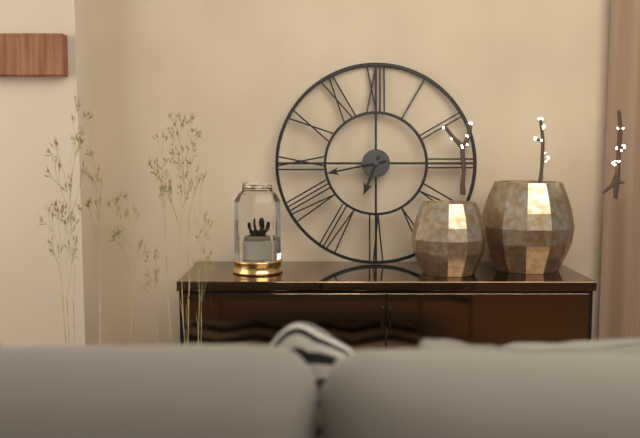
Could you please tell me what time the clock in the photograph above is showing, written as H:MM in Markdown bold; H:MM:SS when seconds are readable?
**6:43**
